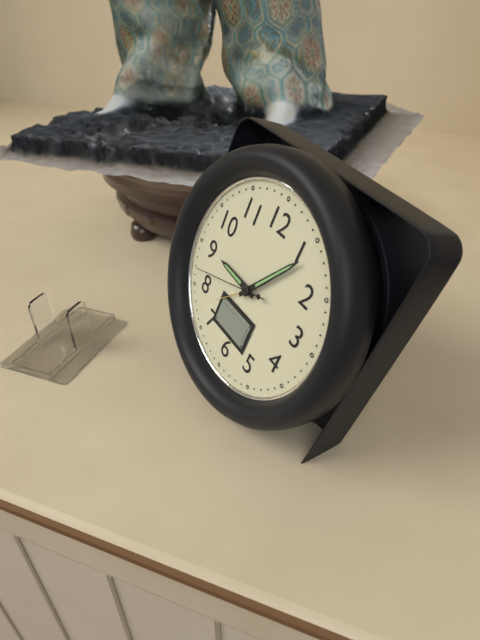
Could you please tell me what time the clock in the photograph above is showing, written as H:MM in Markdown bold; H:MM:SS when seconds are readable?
**9:06:42**
